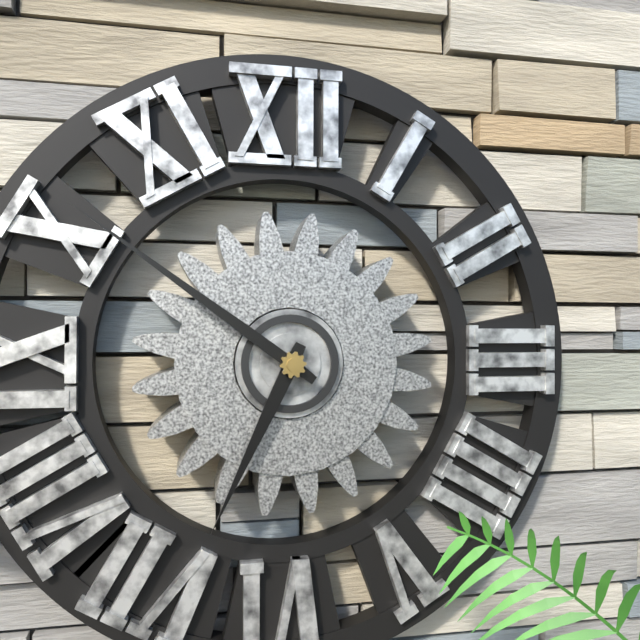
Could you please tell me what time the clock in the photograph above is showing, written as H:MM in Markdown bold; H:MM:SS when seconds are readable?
**6:51**
